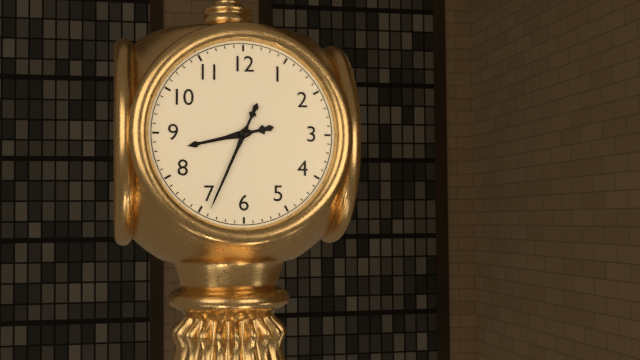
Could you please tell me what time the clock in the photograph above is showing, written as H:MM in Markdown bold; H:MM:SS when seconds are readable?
**8:34**
